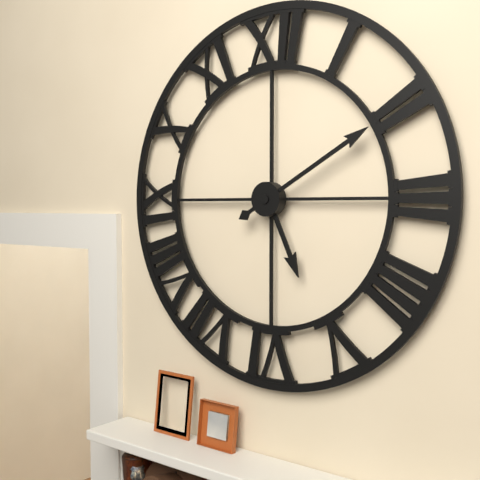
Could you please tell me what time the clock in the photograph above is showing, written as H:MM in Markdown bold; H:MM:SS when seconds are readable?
**5:10**
